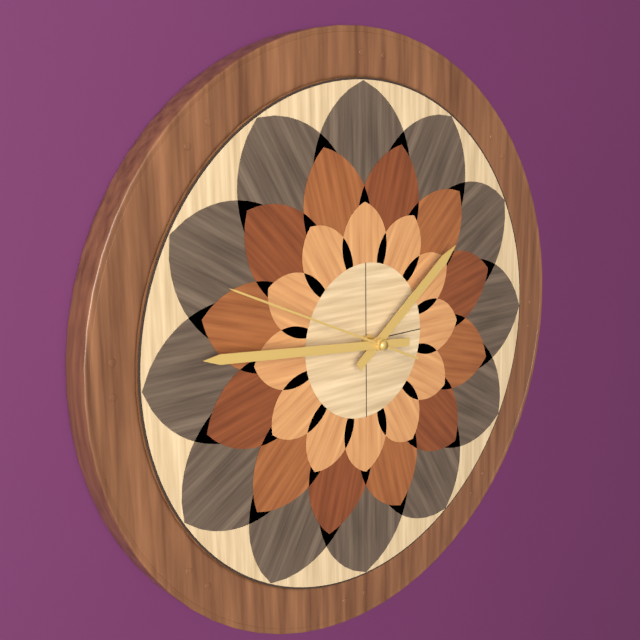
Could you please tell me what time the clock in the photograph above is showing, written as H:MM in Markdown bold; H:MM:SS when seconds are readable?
**1:46:49**
